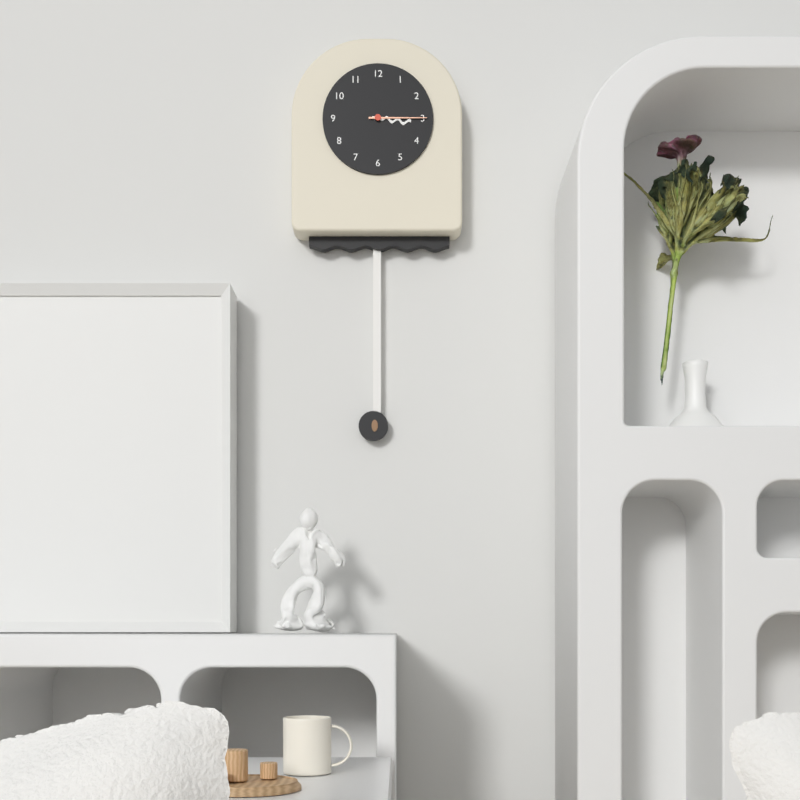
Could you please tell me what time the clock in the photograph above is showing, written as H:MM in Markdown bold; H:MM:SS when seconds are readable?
**3:15**
